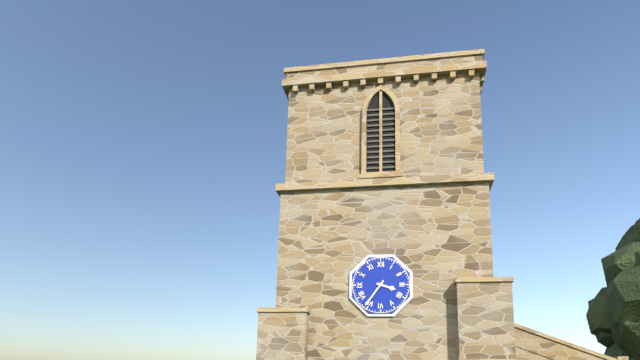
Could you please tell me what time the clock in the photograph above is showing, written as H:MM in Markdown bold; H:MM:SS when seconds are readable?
**3:36**
